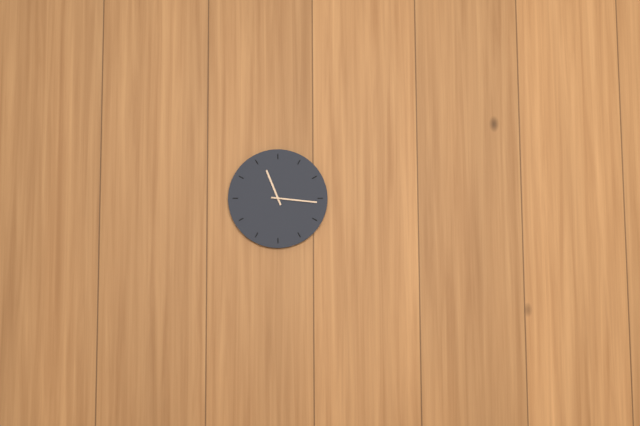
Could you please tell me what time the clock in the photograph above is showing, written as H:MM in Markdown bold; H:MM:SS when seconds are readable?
**11:16**
